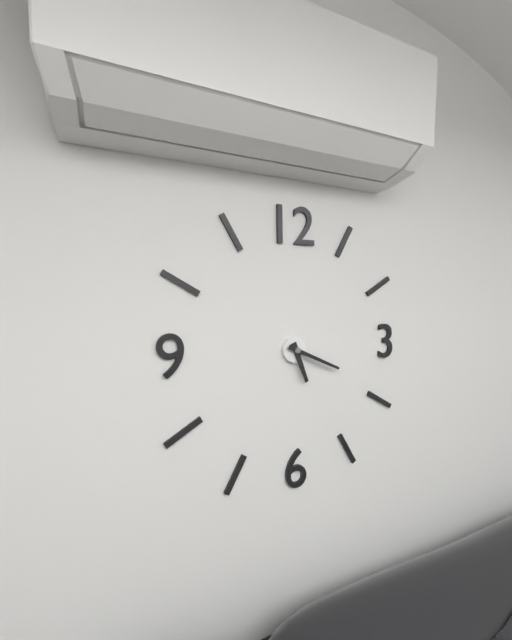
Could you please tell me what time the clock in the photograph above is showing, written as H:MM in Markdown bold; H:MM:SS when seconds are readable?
**5:19**
